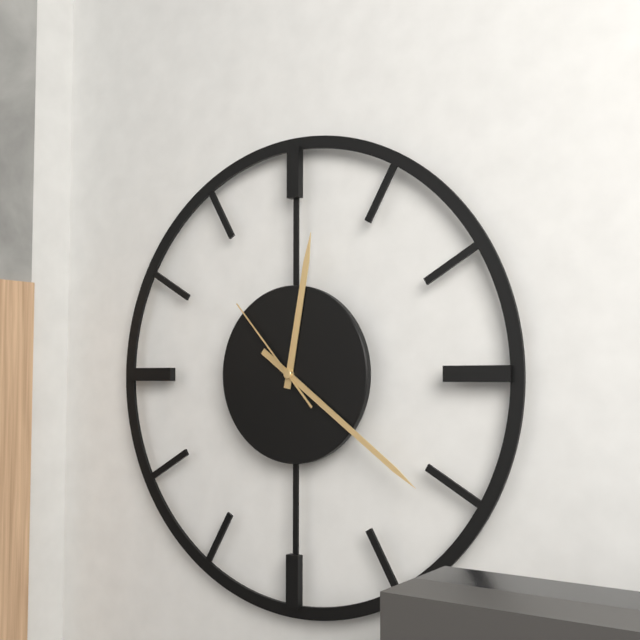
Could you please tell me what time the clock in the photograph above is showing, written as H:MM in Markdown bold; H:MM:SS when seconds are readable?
**12:21:53**
